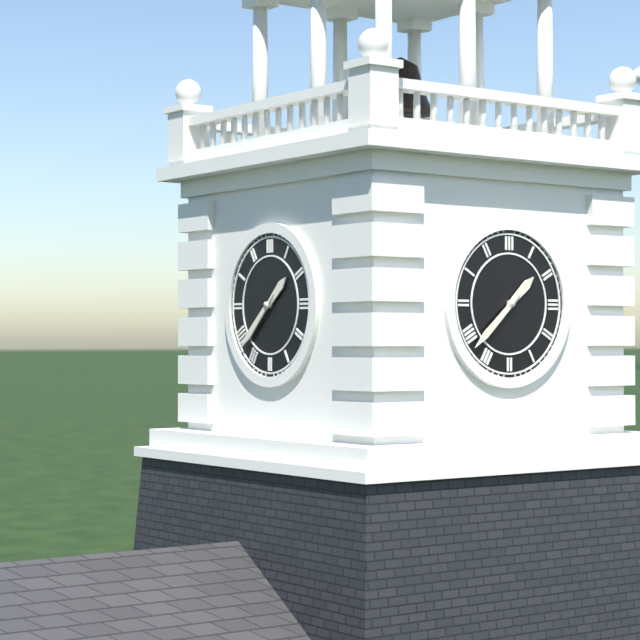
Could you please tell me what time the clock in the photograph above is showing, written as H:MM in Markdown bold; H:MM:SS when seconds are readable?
**1:38**
